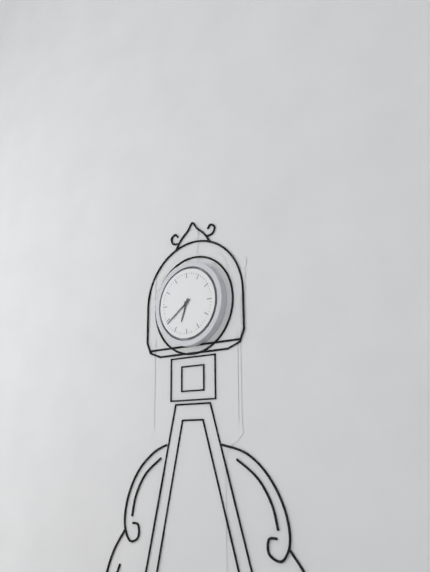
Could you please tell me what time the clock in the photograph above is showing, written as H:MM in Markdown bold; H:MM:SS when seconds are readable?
**6:39**
